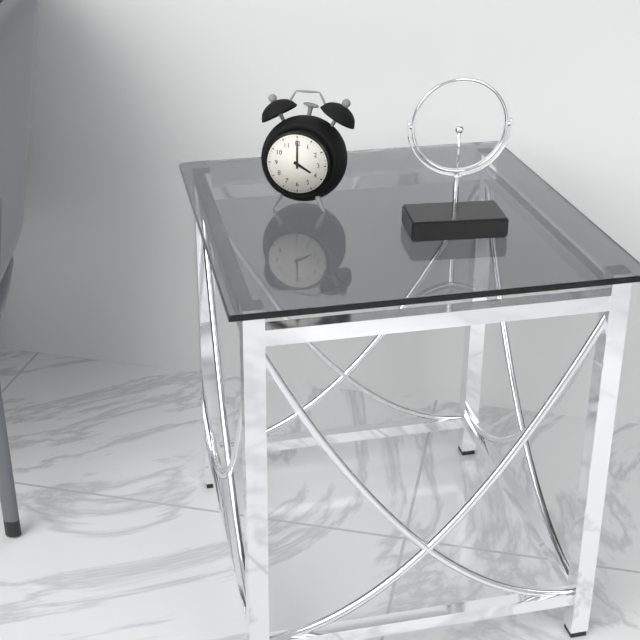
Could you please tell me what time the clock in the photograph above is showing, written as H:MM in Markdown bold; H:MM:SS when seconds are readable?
**4:00**
